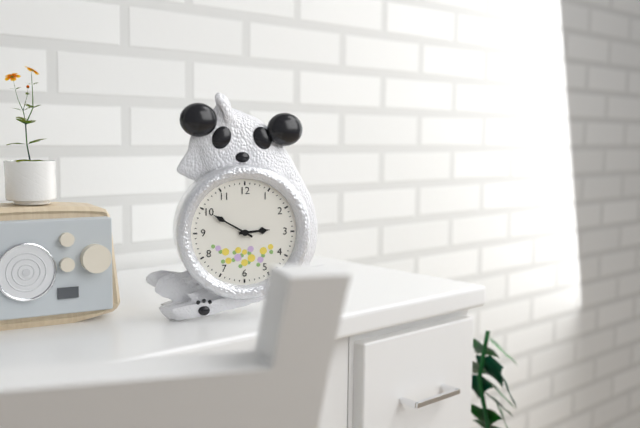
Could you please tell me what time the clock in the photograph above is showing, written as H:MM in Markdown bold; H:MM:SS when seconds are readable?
**2:50**
